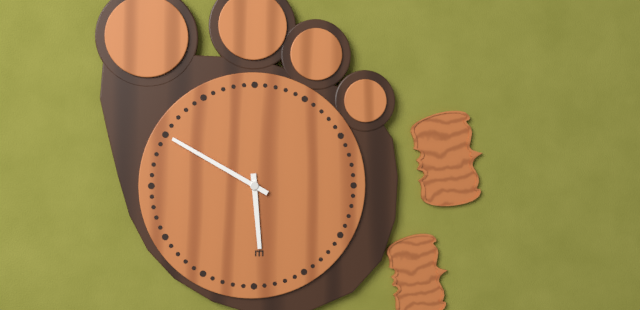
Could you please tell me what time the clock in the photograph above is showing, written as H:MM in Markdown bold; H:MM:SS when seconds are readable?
**5:50**
